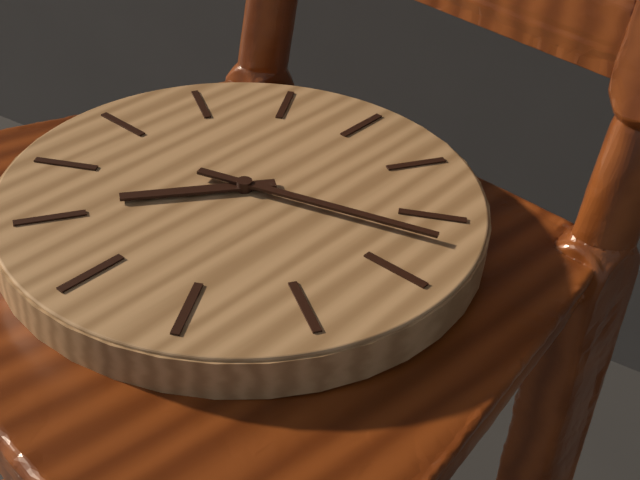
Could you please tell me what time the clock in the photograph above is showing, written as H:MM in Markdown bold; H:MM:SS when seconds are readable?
**7:12**
